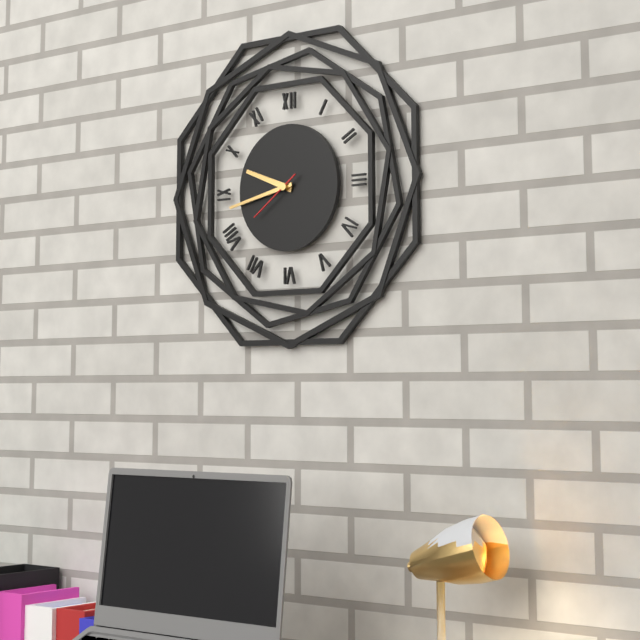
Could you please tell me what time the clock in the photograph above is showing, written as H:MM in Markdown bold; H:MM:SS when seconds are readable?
**9:43:39**
